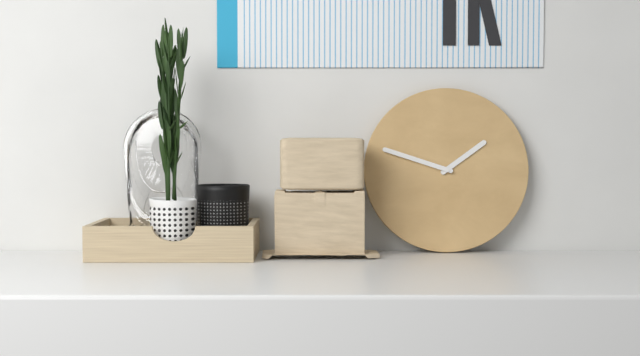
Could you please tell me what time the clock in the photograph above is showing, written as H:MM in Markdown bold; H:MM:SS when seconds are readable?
**1:48**
